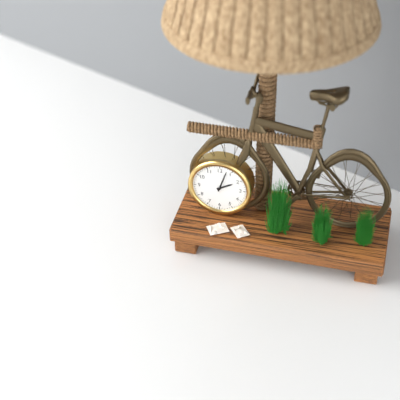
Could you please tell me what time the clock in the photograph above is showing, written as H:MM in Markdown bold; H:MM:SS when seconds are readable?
**2:03**
